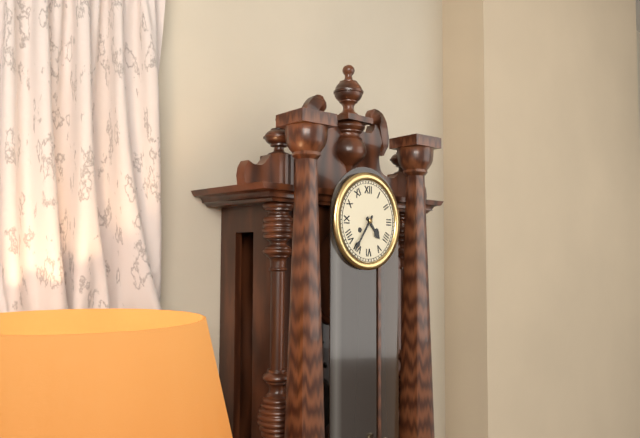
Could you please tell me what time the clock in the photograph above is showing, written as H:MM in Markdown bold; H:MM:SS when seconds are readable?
**4:36**
